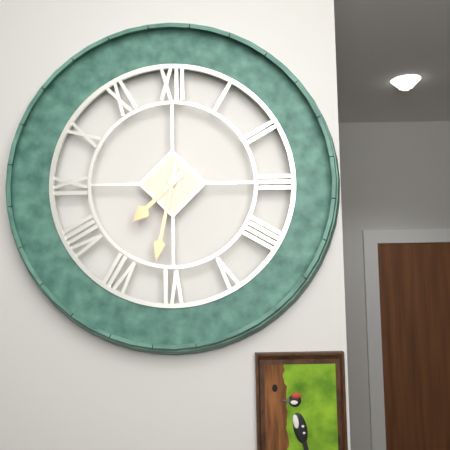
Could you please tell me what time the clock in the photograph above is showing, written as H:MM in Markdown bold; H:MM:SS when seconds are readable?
**7:32**
